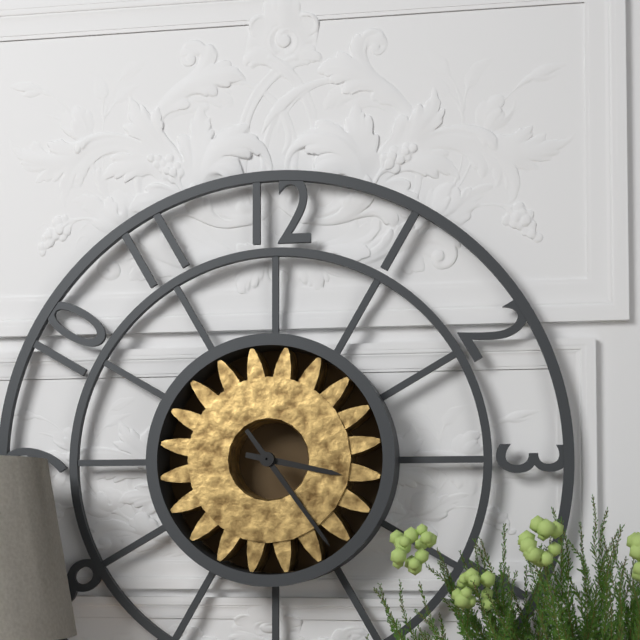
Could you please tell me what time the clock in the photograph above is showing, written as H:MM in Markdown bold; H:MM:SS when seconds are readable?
**3:24**
